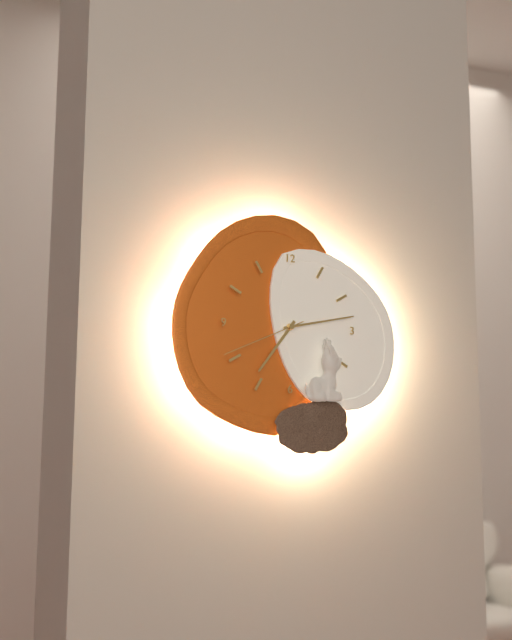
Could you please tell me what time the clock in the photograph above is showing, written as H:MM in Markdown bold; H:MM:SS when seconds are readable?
**7:13:41**
